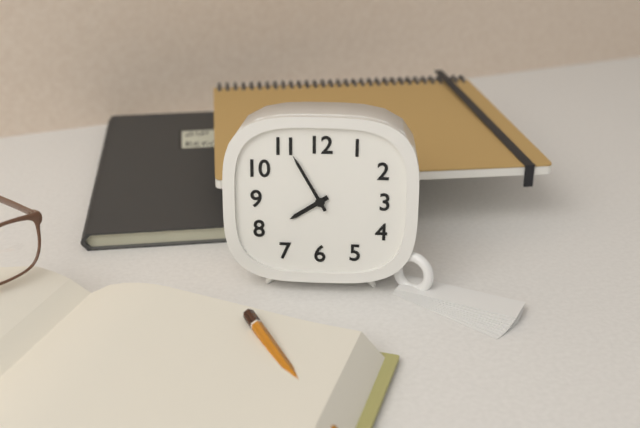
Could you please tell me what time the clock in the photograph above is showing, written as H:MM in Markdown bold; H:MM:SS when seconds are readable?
**7:55**
